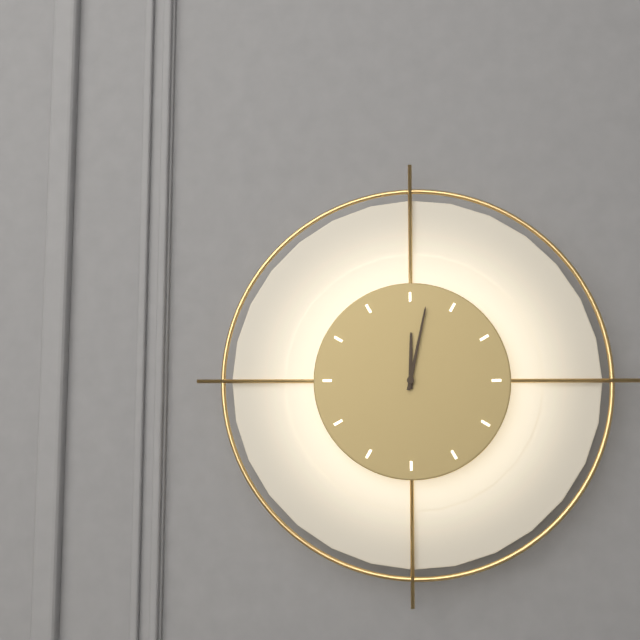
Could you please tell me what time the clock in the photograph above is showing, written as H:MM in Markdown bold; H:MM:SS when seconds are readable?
**12:02**
